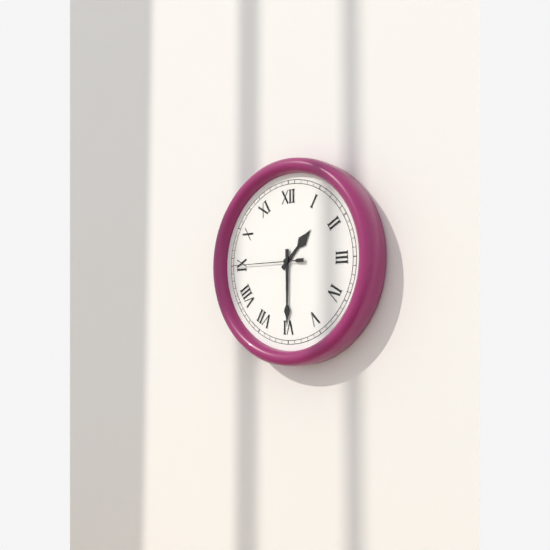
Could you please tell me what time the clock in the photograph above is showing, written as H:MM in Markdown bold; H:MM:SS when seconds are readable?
**1:30:45**
